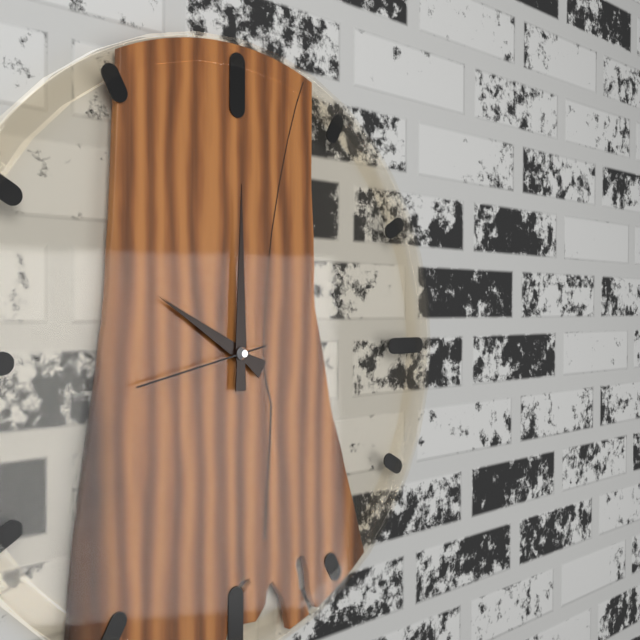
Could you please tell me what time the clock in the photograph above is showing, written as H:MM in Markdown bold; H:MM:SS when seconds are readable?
**10:00:43**
